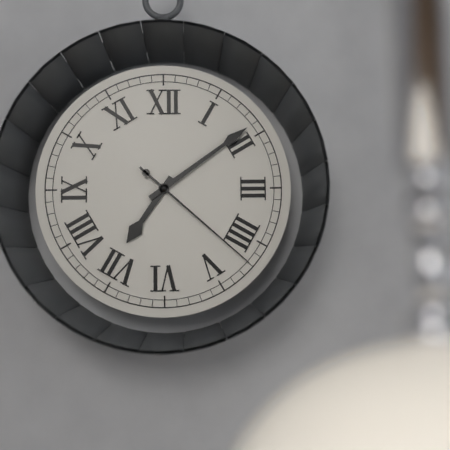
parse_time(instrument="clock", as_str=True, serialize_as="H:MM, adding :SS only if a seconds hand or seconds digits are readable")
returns 7:09:22
